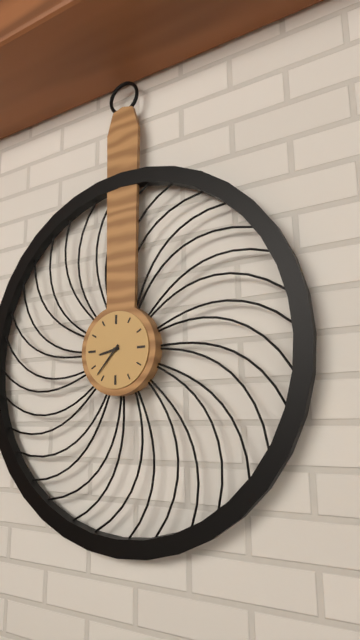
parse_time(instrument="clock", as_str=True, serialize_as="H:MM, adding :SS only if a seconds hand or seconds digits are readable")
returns 8:37
